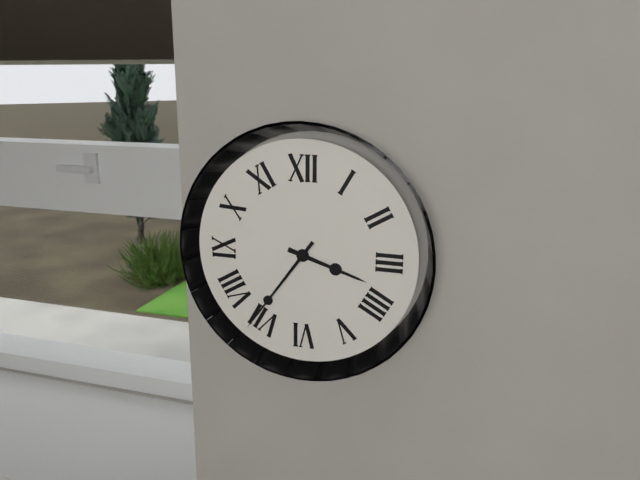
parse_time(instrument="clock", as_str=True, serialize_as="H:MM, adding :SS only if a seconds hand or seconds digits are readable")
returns 3:36
